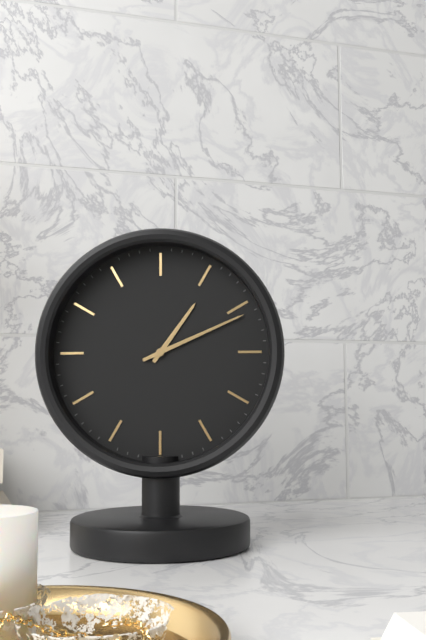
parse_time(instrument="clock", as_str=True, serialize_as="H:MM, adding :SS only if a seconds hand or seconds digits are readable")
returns 1:11
